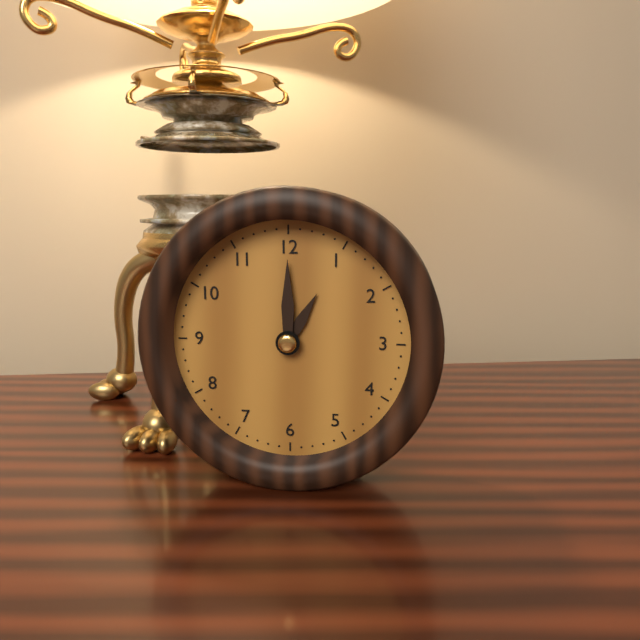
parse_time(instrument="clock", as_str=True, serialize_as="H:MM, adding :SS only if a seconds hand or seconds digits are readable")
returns 1:00
